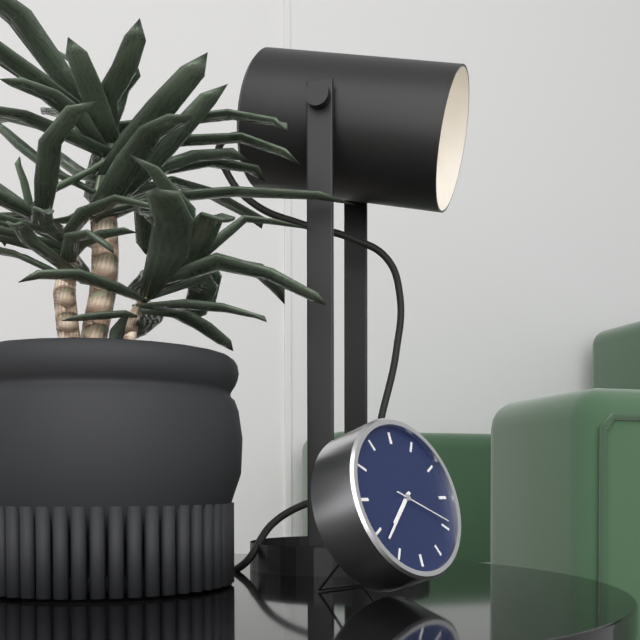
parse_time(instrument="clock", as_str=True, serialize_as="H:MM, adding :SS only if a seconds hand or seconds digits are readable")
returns 7:38:19
